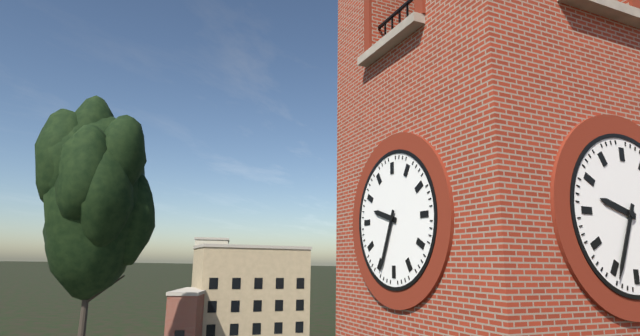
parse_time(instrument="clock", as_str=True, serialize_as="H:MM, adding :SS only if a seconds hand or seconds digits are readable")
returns 9:34
